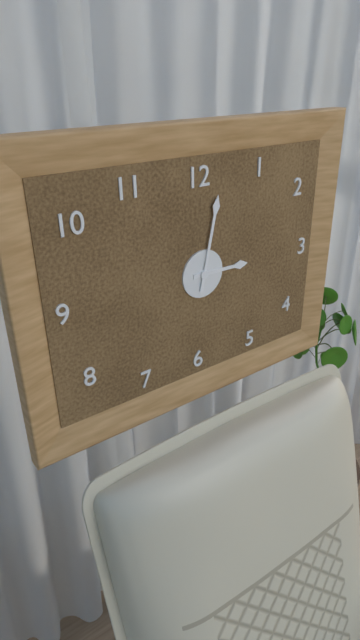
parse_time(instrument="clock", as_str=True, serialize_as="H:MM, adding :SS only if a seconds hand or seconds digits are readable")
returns 3:02
